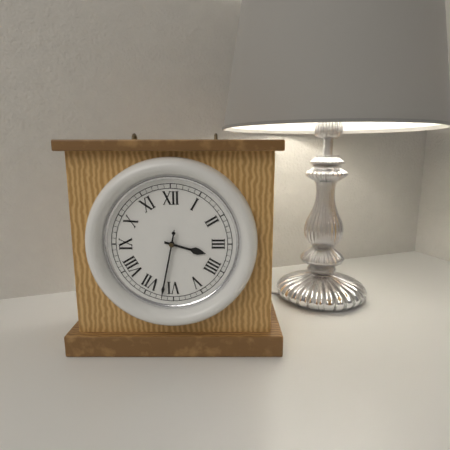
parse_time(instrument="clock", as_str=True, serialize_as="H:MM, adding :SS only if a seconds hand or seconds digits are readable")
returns 3:32:32
